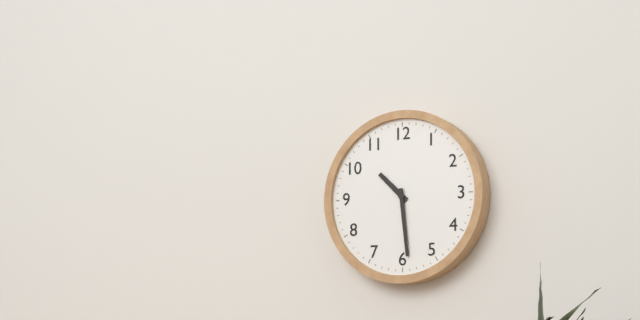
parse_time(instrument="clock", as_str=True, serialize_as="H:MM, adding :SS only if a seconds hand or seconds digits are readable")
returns 10:29
